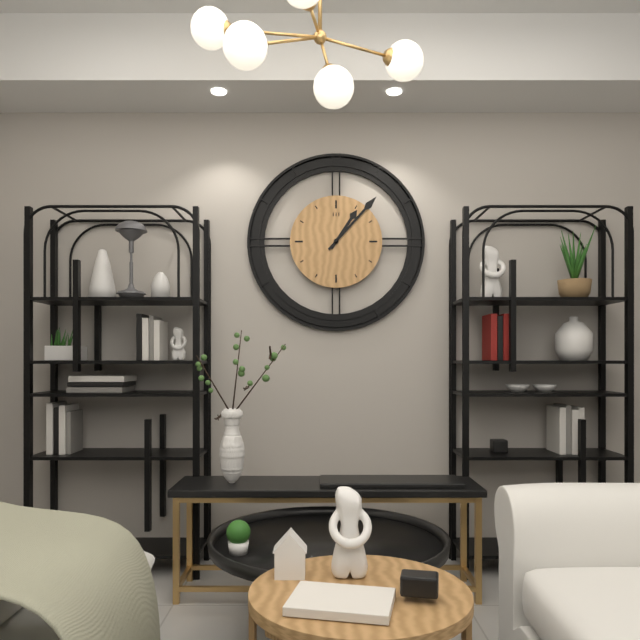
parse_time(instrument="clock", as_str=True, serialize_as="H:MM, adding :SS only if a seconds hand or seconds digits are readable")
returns 1:07
